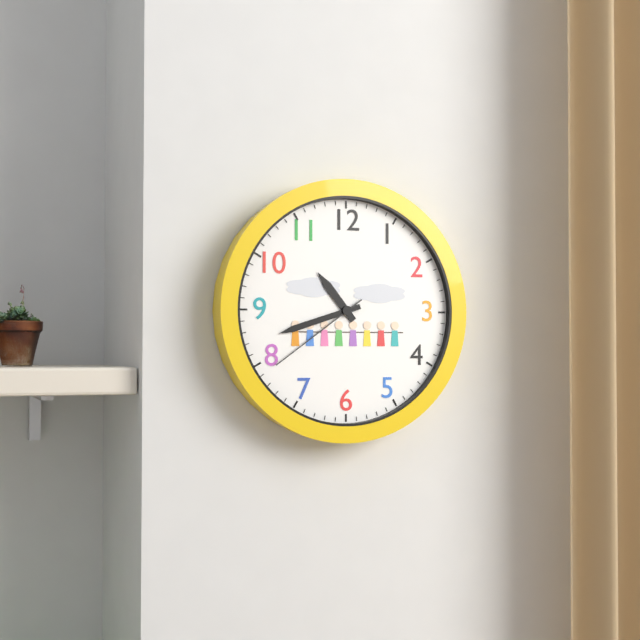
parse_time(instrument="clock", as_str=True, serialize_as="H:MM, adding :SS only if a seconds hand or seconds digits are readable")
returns 10:42:39
